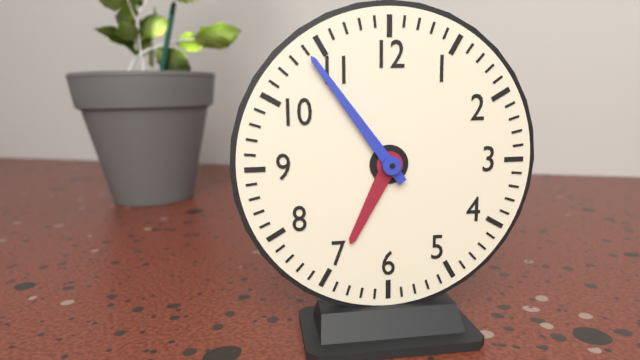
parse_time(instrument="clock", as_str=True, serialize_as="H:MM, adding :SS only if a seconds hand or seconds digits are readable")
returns 6:54
